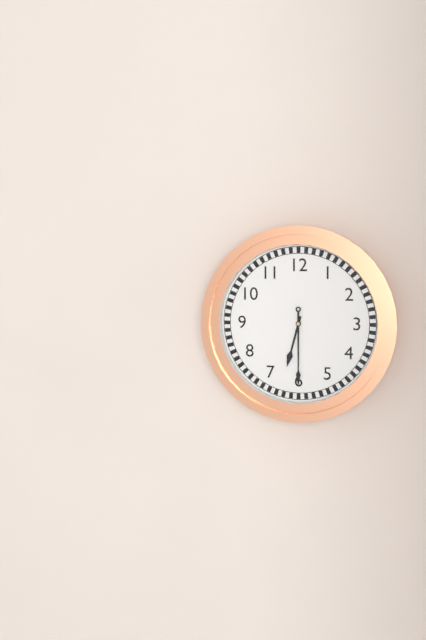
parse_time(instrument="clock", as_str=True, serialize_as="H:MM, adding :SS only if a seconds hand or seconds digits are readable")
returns 6:30
